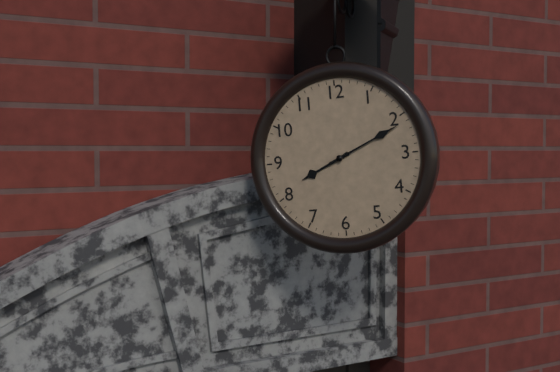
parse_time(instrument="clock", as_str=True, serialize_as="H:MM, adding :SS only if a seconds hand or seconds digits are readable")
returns 8:11
